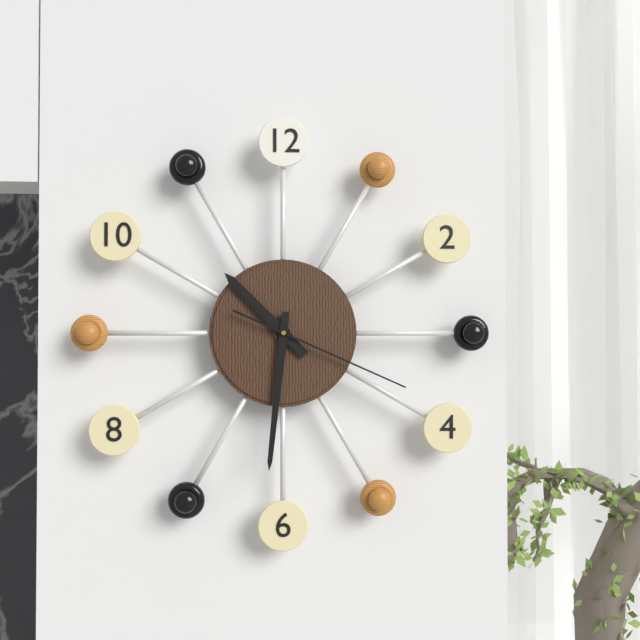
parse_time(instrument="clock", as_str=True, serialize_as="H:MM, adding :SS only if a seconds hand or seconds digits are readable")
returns 10:31:19
